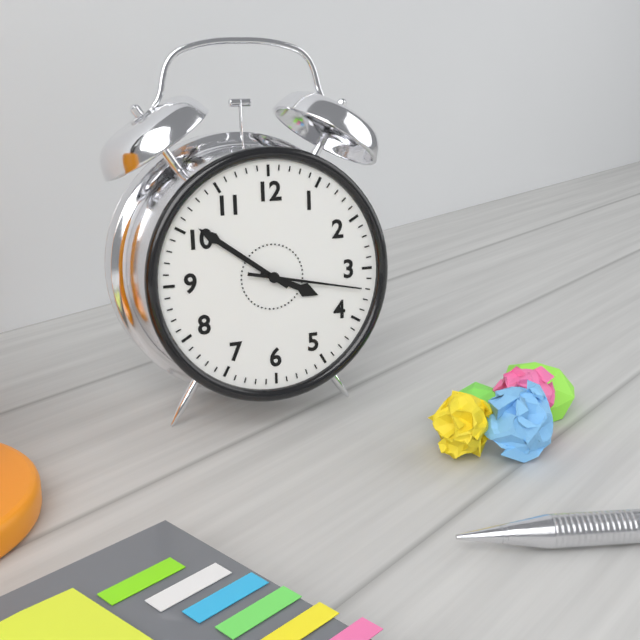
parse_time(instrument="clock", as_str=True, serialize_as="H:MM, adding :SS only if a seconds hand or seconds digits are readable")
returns 3:51:17
